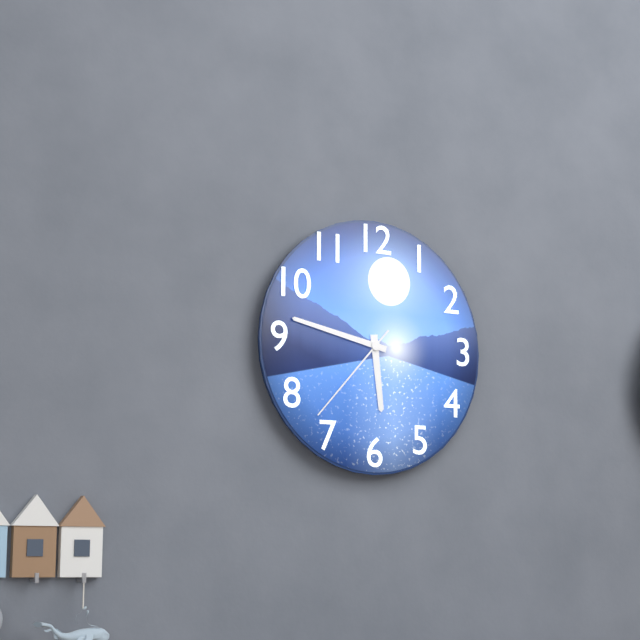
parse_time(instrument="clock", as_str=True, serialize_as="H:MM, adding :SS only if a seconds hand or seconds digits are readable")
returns 5:47:37
